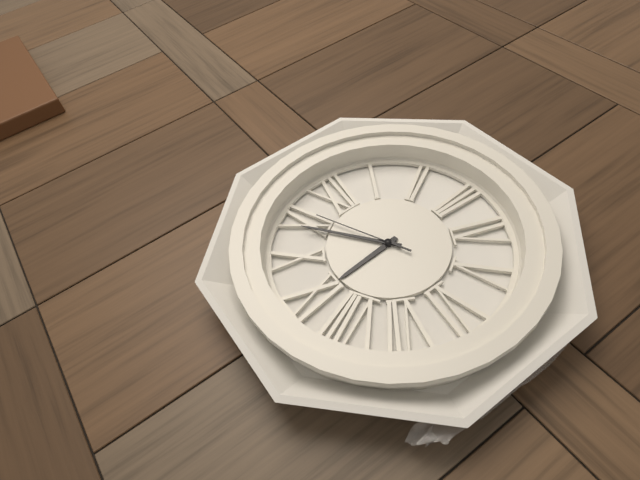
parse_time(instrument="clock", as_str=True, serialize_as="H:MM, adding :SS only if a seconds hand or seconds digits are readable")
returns 8:54:56
